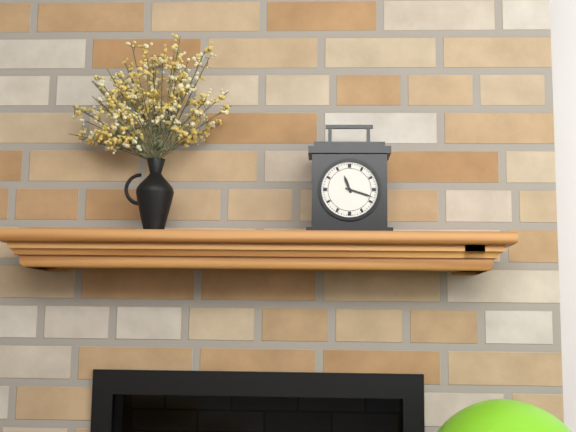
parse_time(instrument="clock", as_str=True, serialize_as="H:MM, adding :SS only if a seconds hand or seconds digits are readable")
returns 11:18
